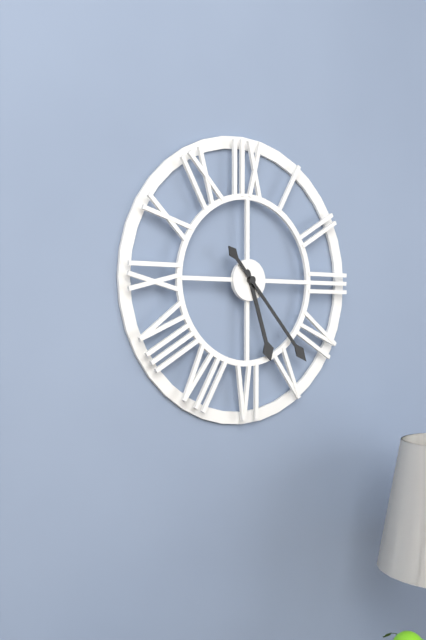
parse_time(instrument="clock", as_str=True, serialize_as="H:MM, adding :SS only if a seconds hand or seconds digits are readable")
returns 5:23
